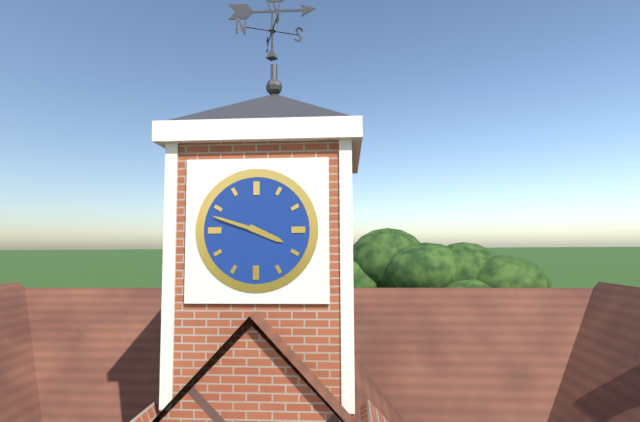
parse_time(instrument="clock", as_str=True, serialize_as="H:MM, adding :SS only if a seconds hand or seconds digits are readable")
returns 3:48
